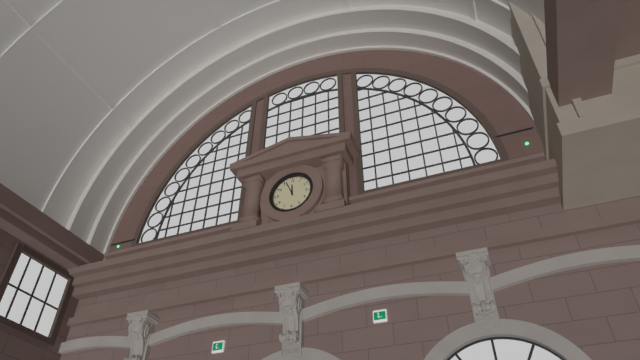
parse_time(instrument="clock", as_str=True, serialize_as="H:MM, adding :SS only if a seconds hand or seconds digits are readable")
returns 11:56
